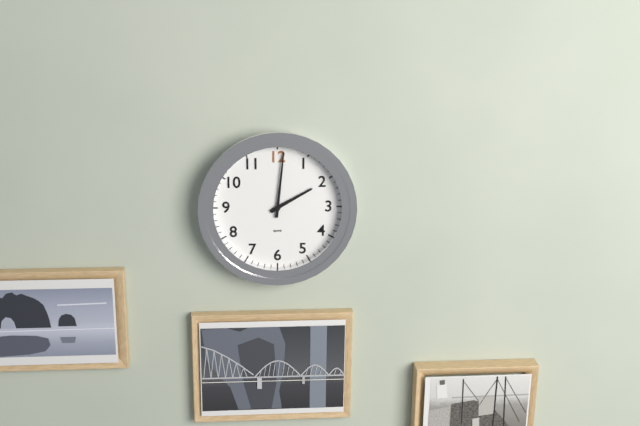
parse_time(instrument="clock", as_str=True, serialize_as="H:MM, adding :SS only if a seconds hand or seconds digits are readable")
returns 2:01
